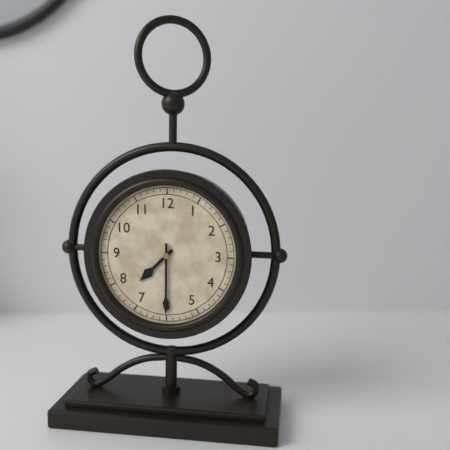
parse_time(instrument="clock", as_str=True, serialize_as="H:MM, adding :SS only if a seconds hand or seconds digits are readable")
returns 7:30
